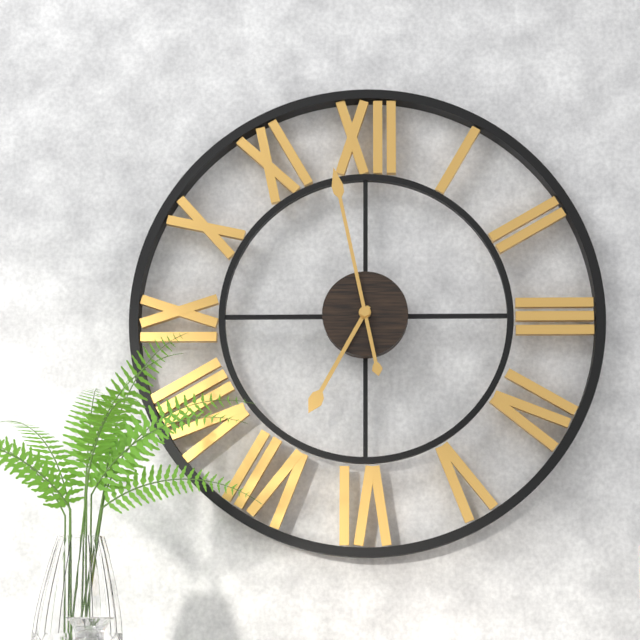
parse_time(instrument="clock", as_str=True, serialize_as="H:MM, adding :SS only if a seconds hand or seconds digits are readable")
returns 6:58
